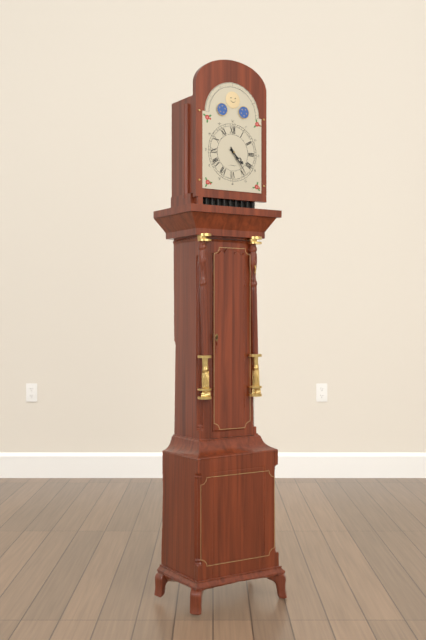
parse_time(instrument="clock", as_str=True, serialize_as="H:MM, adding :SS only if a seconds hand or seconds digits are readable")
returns 4:24
